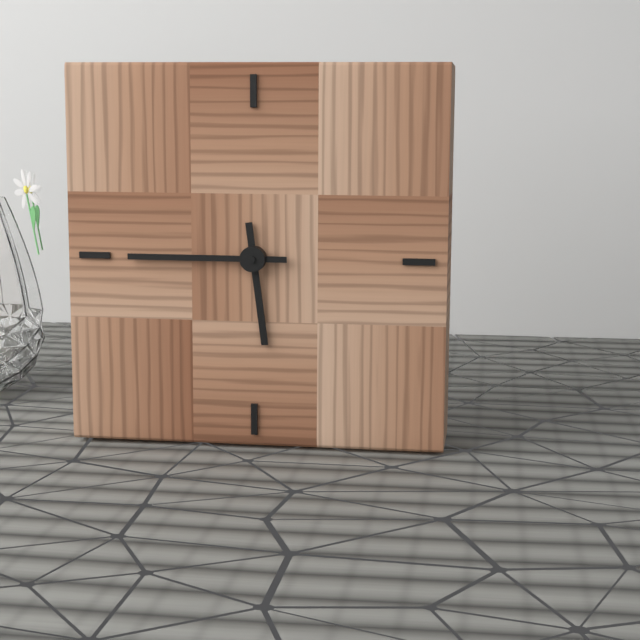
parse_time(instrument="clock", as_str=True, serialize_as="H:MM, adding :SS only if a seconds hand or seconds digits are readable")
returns 5:45
